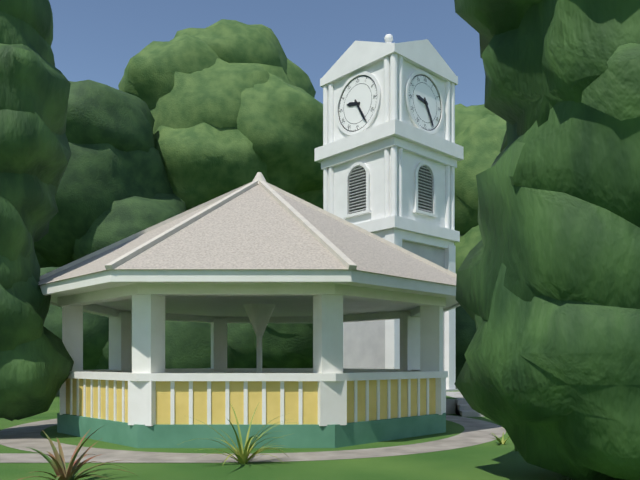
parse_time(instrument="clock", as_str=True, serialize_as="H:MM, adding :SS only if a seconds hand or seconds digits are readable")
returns 9:25
